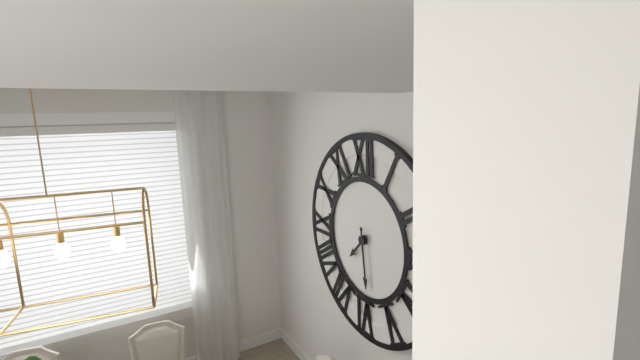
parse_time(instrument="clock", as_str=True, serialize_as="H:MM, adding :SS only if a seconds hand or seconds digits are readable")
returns 7:29
